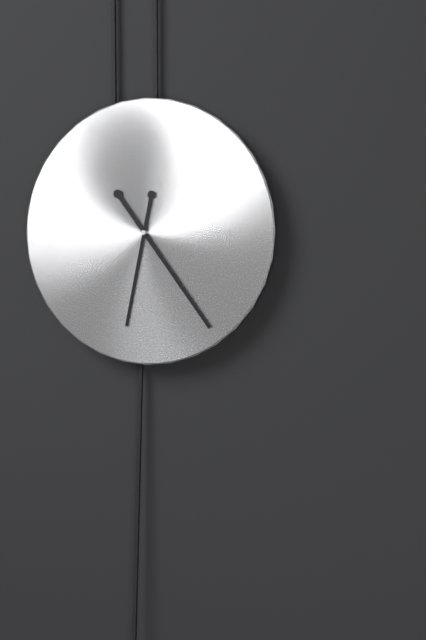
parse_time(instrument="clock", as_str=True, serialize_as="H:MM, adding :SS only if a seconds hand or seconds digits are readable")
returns 6:24
